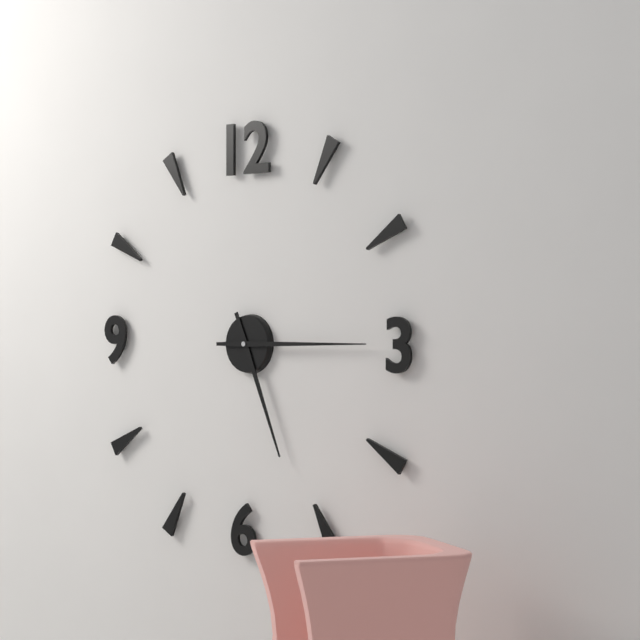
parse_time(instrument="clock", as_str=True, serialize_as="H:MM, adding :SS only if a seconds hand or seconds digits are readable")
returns 5:15
